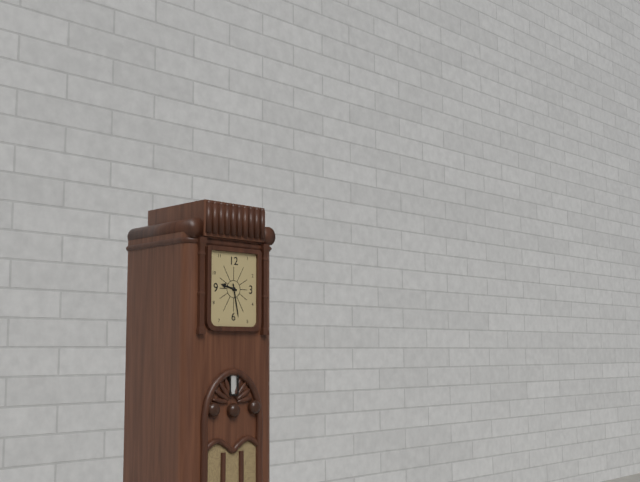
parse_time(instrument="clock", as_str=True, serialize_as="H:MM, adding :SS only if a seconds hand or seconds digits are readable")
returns 9:28
